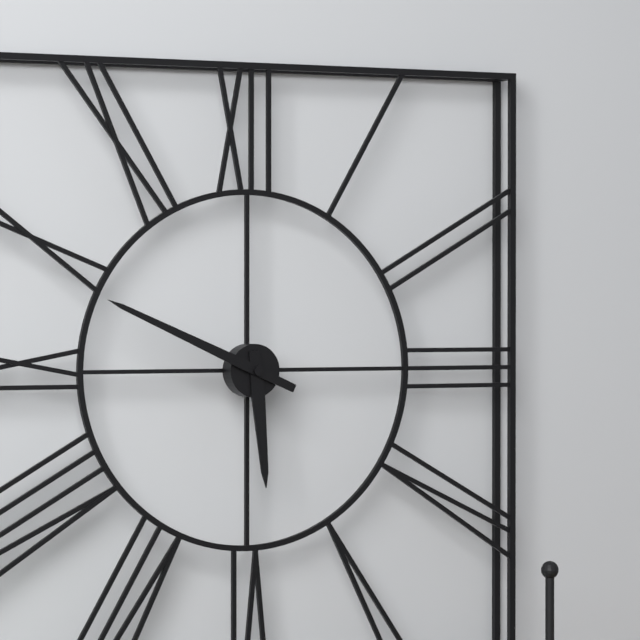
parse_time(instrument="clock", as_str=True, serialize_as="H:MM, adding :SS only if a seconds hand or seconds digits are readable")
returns 5:49
